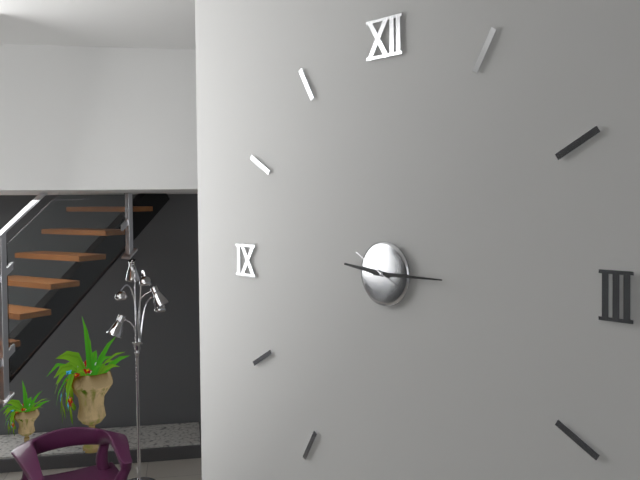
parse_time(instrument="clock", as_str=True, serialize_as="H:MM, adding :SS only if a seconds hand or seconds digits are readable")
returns 9:15
